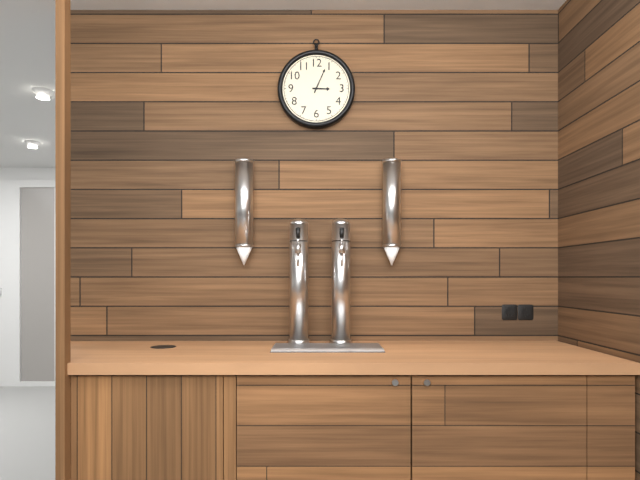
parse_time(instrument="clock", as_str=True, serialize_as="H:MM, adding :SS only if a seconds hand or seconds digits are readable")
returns 3:04
